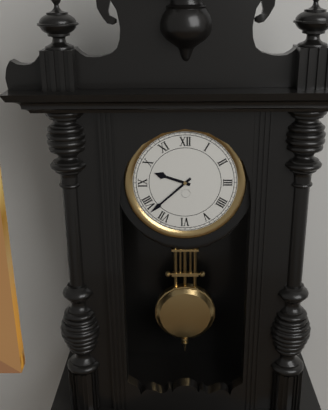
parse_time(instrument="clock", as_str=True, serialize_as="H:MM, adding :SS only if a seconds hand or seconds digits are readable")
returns 9:38
